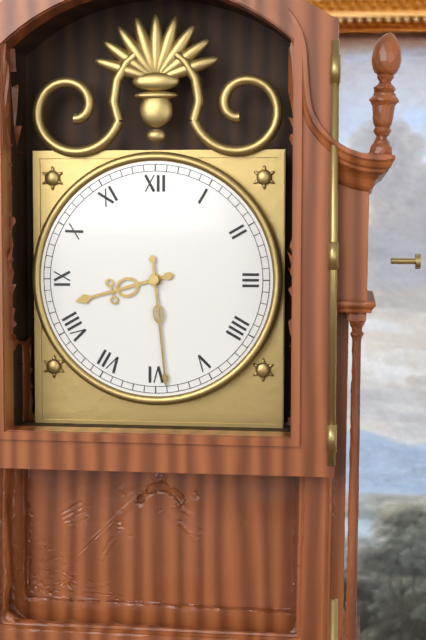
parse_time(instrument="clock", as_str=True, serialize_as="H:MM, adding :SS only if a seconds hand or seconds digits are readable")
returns 8:29
